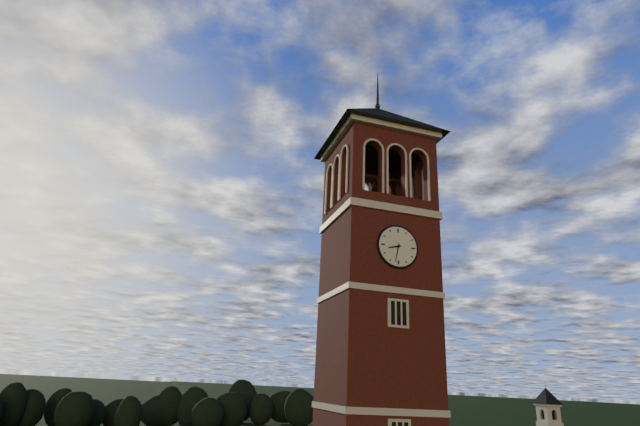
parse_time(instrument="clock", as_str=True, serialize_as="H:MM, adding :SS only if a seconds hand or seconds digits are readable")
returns 8:32
